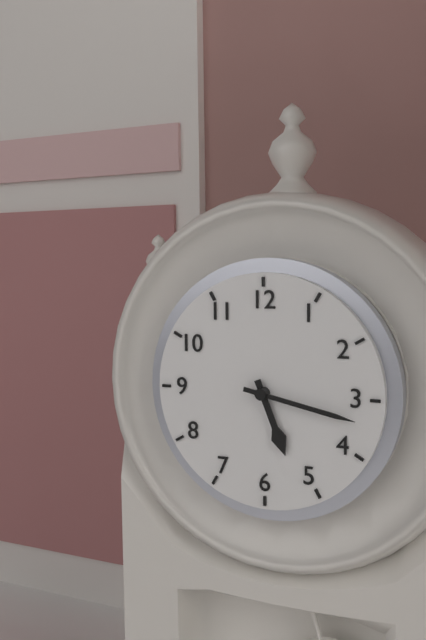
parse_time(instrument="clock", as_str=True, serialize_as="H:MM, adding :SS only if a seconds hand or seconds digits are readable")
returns 5:17
